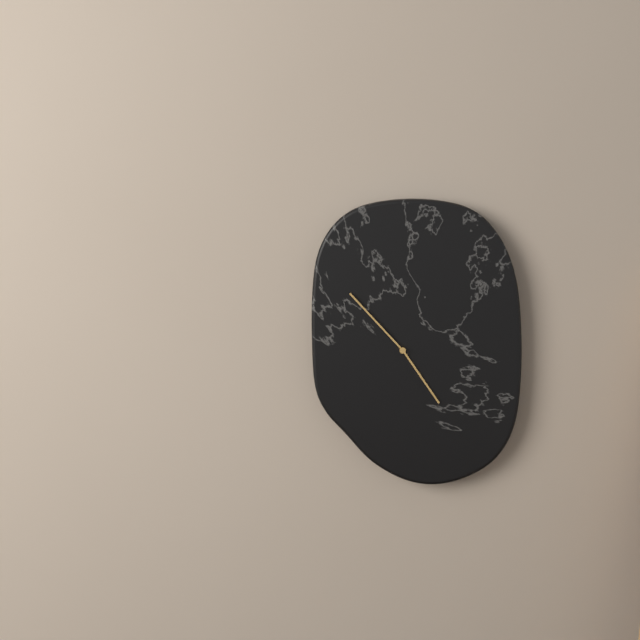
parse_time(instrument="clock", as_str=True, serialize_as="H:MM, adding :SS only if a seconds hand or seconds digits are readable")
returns 4:53
